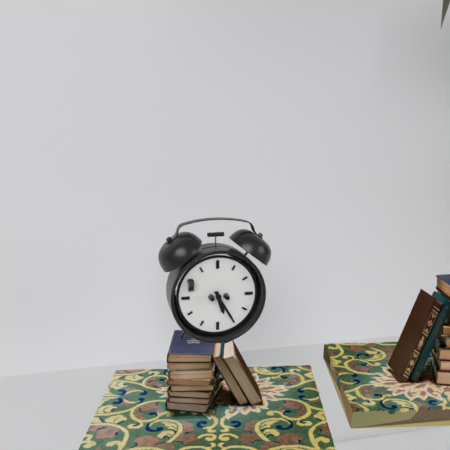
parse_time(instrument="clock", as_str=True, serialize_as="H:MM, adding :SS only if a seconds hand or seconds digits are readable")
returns 5:25
